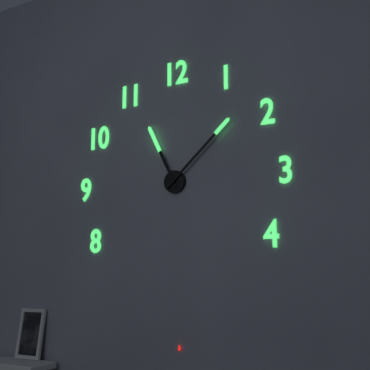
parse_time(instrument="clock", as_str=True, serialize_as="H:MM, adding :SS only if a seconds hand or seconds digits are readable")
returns 11:08
